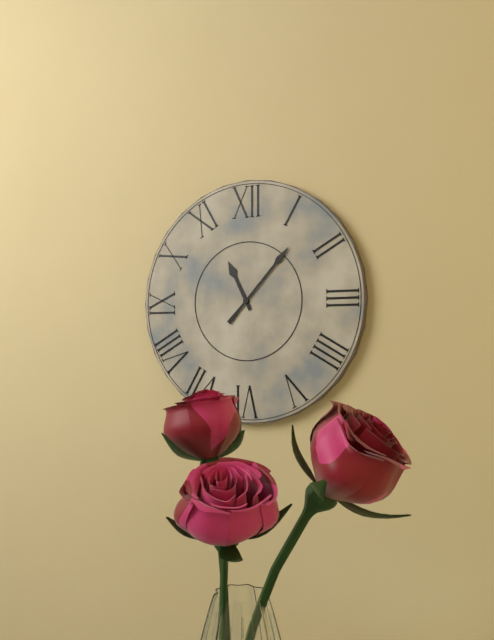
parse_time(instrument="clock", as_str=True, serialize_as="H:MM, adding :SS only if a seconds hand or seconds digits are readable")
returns 11:07
